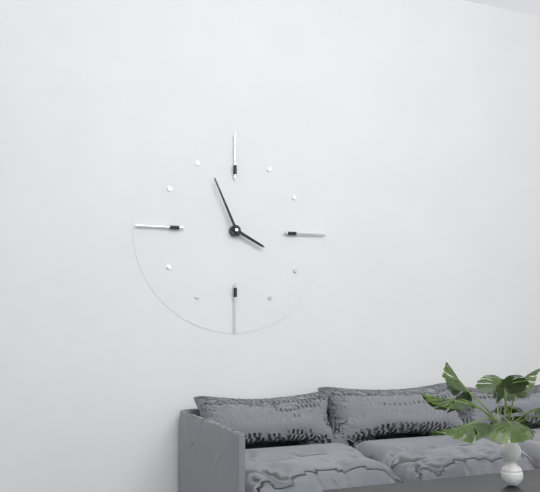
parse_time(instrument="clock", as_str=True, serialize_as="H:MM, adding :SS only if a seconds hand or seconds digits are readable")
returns 3:56
